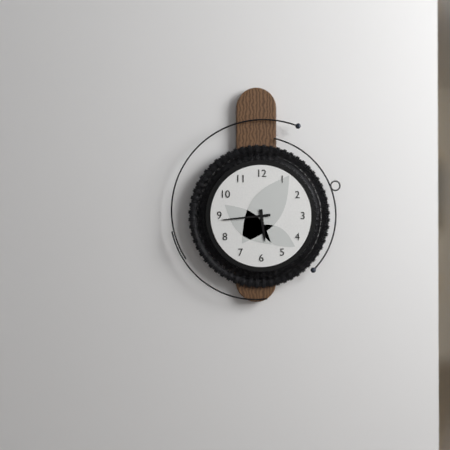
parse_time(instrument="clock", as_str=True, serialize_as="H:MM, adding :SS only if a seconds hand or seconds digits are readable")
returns 5:44
